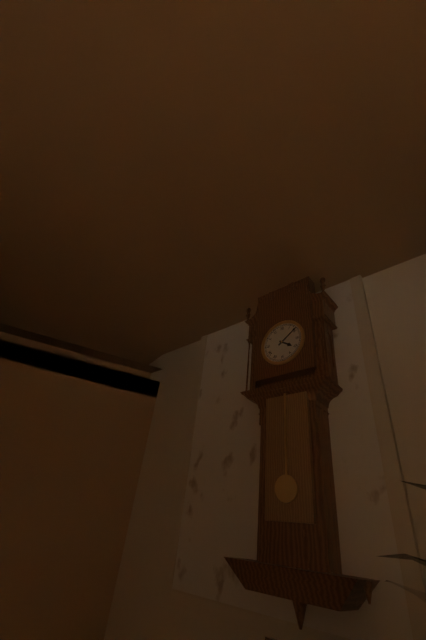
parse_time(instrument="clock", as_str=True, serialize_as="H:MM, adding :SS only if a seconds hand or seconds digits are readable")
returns 4:09
